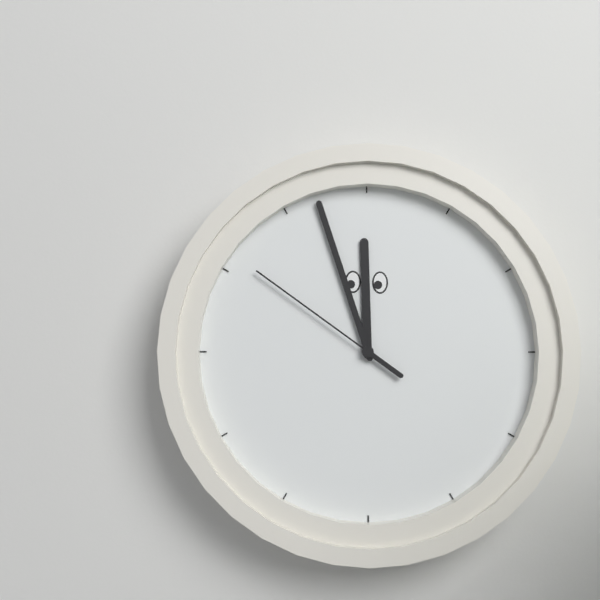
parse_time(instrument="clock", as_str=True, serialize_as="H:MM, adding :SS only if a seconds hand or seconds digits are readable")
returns 11:57:51
